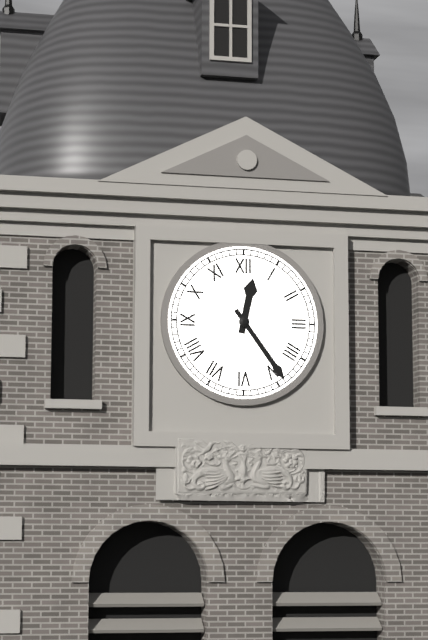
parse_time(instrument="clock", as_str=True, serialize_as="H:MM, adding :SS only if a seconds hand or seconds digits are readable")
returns 12:24
